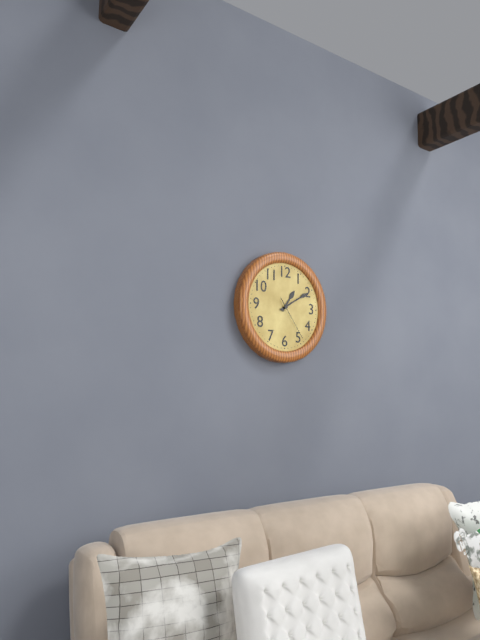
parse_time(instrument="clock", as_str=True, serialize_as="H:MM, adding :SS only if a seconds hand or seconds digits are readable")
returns 1:10
